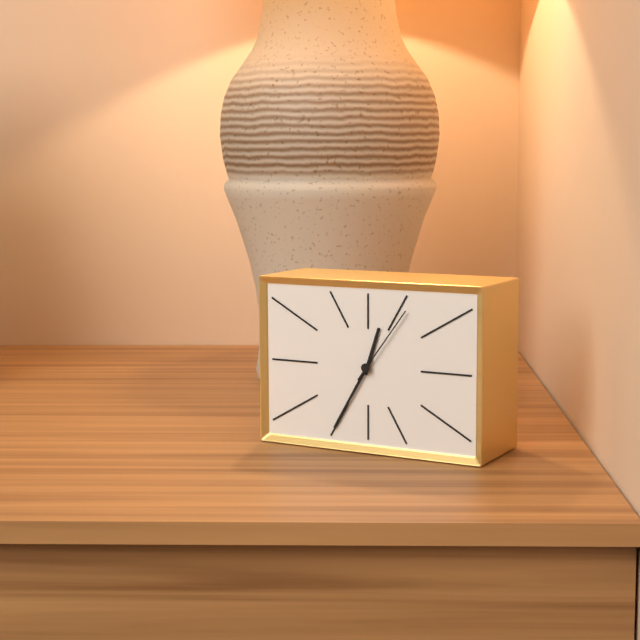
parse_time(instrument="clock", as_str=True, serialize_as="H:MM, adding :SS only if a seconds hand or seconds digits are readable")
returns 12:35:06
